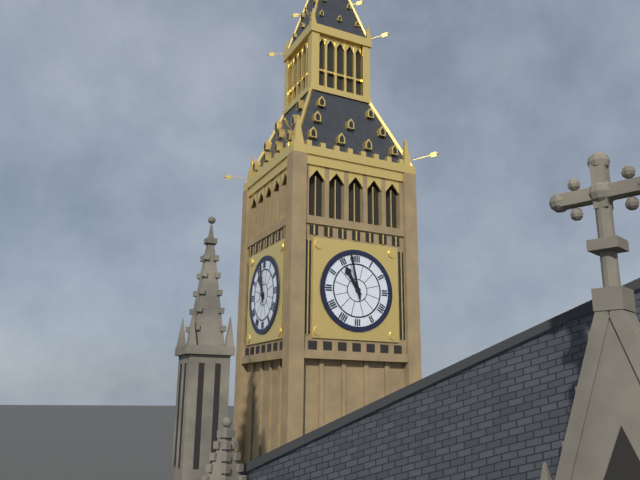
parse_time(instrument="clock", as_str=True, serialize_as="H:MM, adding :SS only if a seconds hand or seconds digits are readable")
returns 10:58
